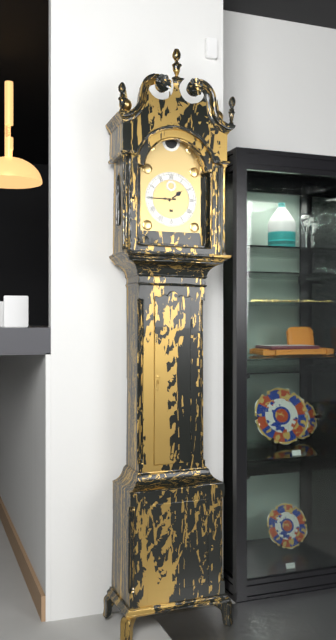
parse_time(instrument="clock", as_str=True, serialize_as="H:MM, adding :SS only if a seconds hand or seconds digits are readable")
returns 1:45
